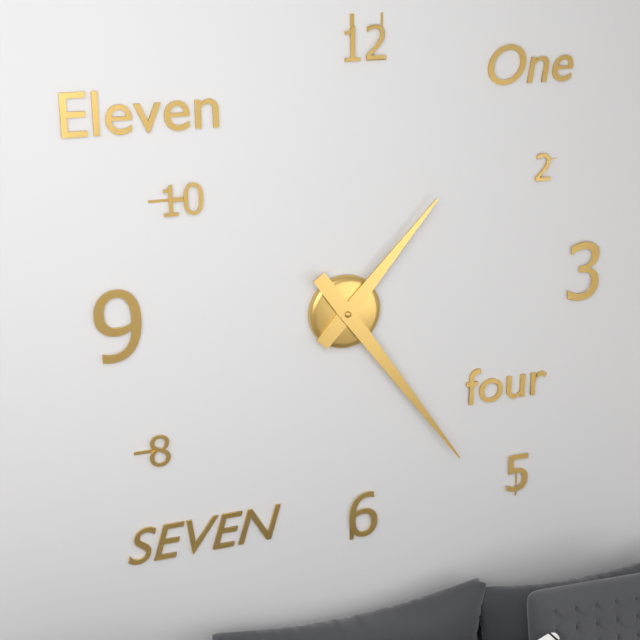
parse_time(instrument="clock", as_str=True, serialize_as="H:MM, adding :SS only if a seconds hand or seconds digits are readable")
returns 1:24
